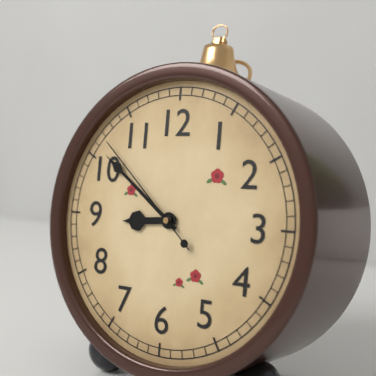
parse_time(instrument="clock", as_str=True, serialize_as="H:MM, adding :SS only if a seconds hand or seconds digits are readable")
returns 8:51:52
